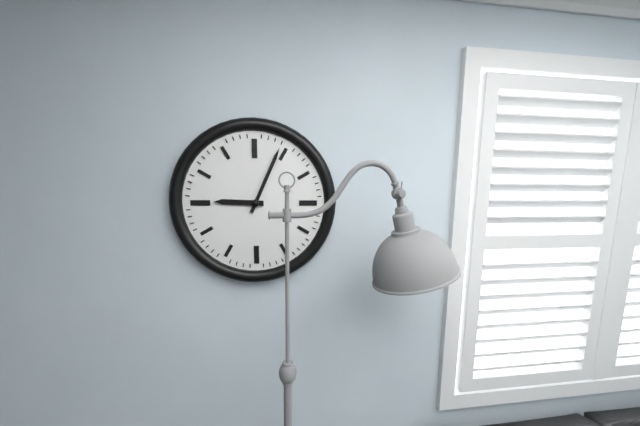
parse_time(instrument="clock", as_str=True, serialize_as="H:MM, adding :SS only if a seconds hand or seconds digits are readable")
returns 9:04
